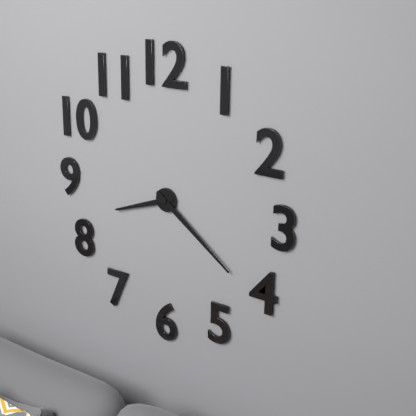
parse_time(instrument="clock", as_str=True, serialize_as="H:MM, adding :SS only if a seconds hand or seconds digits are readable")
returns 8:21
